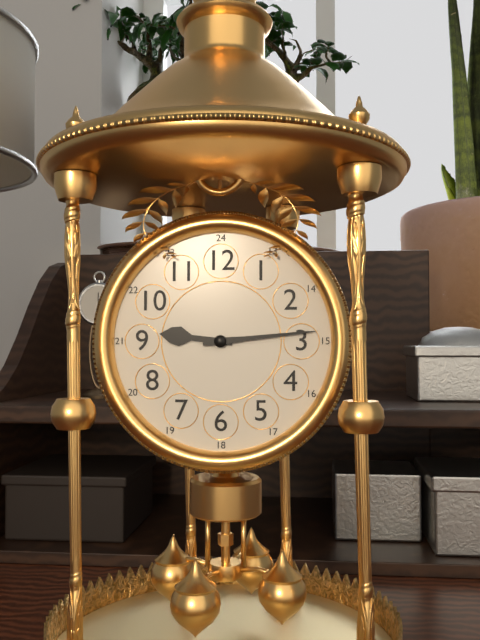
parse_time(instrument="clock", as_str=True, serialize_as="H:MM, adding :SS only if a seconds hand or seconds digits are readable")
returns 9:14
